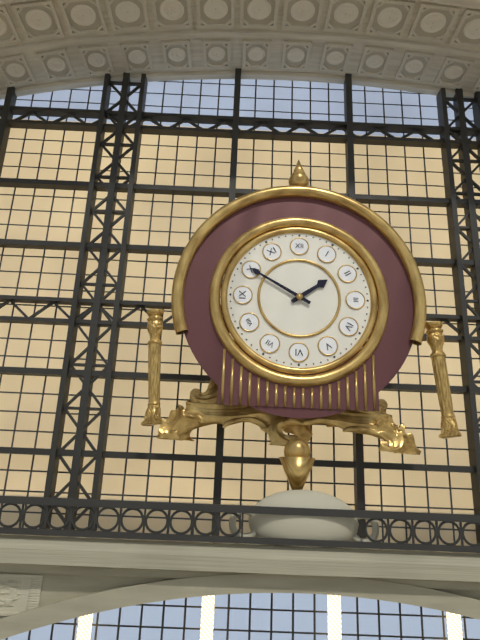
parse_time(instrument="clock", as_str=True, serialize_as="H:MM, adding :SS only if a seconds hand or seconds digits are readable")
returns 1:50
